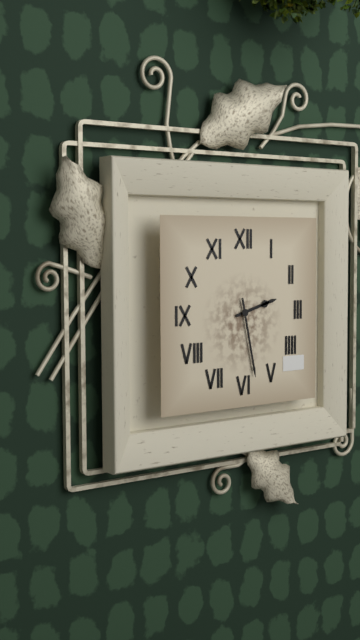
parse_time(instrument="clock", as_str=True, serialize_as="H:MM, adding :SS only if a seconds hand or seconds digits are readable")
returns 2:28
